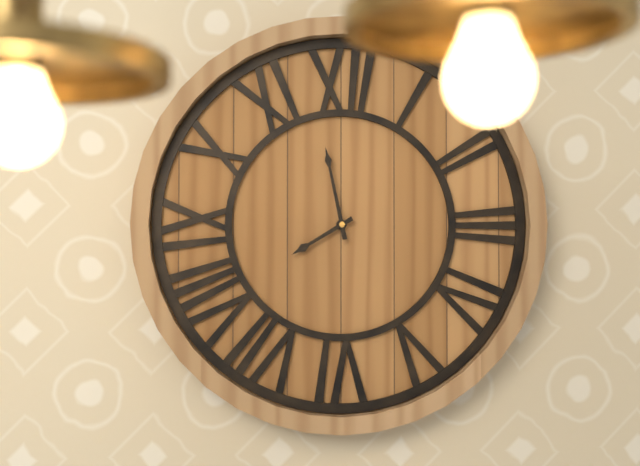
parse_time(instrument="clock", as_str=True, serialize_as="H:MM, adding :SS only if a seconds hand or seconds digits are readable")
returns 7:58
